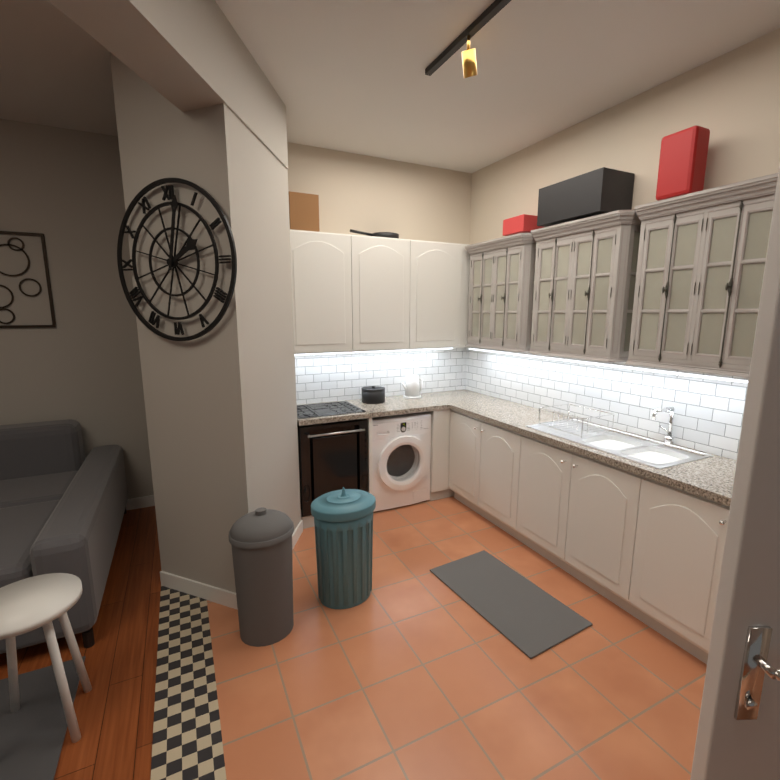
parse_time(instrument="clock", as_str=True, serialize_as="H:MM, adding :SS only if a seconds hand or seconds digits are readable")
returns 2:02
